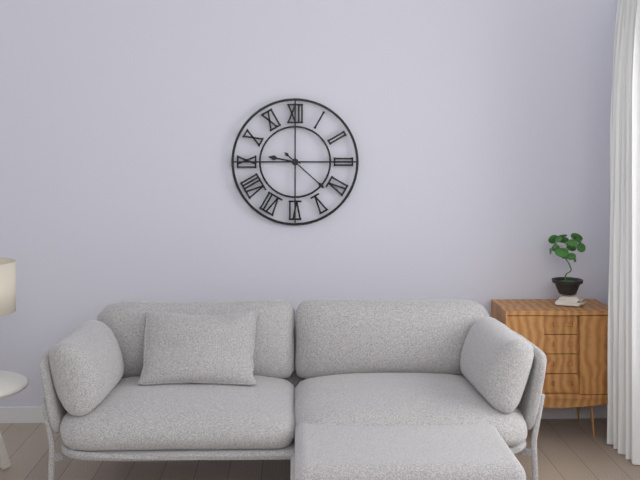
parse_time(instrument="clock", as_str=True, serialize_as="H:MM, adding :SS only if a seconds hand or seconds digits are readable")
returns 9:22
